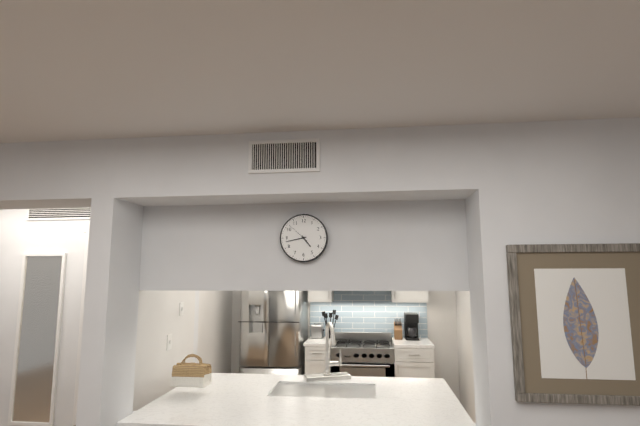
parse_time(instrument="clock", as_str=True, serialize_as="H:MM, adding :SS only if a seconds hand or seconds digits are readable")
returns 4:43
